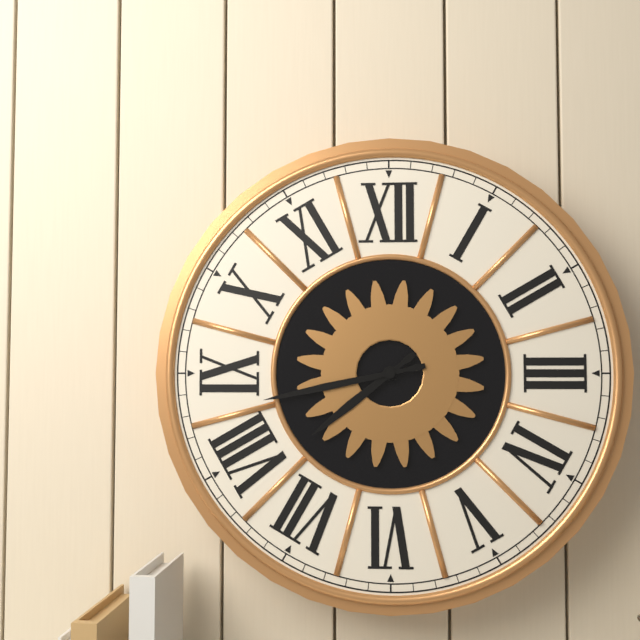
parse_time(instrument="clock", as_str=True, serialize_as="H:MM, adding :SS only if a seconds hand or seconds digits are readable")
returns 7:43
